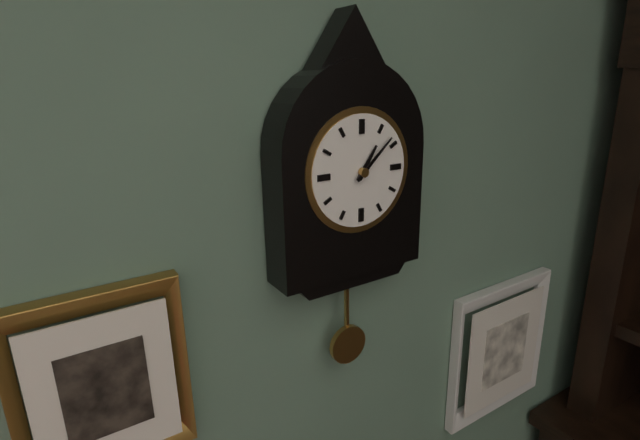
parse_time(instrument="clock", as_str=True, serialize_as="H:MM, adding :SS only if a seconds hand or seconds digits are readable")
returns 1:08
